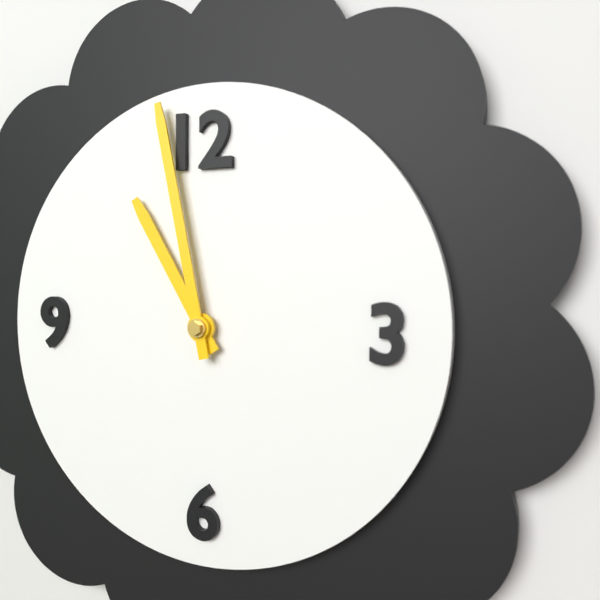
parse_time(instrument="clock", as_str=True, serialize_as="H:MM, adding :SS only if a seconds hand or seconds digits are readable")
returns 10:58
